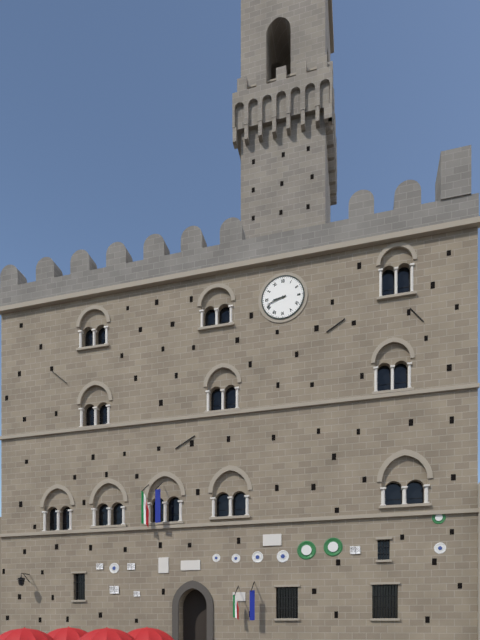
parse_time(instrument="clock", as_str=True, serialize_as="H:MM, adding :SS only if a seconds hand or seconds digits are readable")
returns 8:42
